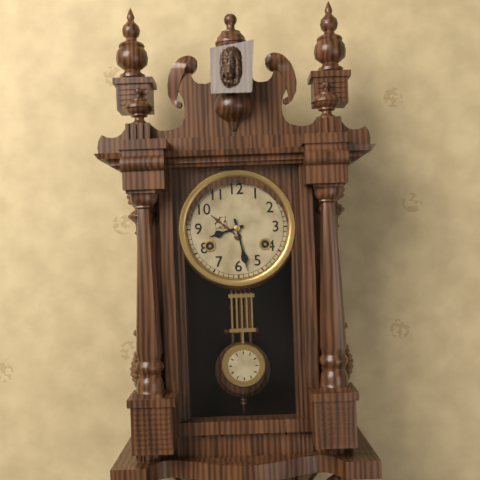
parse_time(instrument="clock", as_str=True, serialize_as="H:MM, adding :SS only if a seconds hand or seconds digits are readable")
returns 8:28
